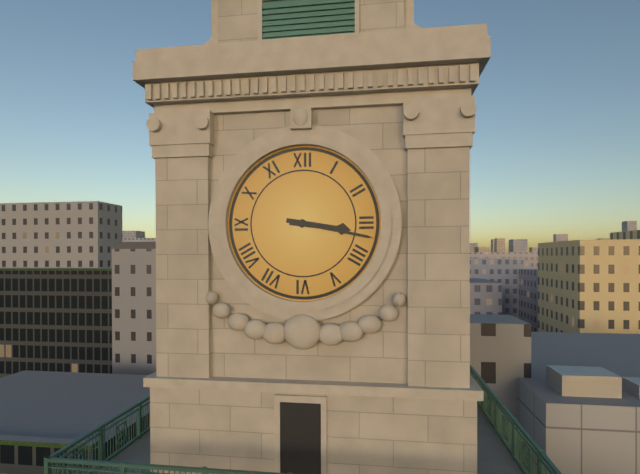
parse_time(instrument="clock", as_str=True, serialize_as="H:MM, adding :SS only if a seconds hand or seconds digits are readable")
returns 3:17
